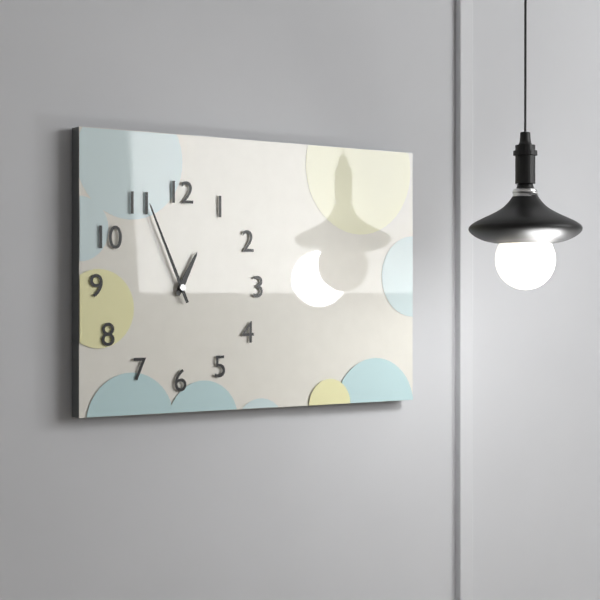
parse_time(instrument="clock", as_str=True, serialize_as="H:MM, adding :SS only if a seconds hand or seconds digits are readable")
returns 12:56
